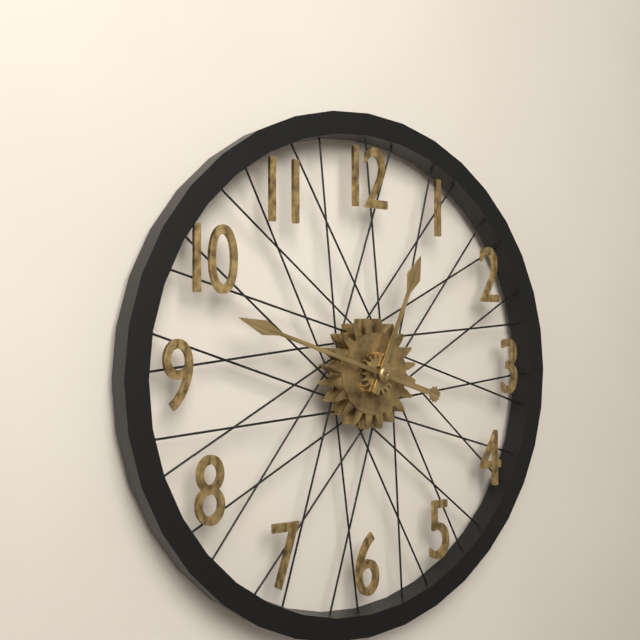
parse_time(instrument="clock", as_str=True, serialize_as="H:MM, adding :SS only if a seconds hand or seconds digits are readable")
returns 12:48
